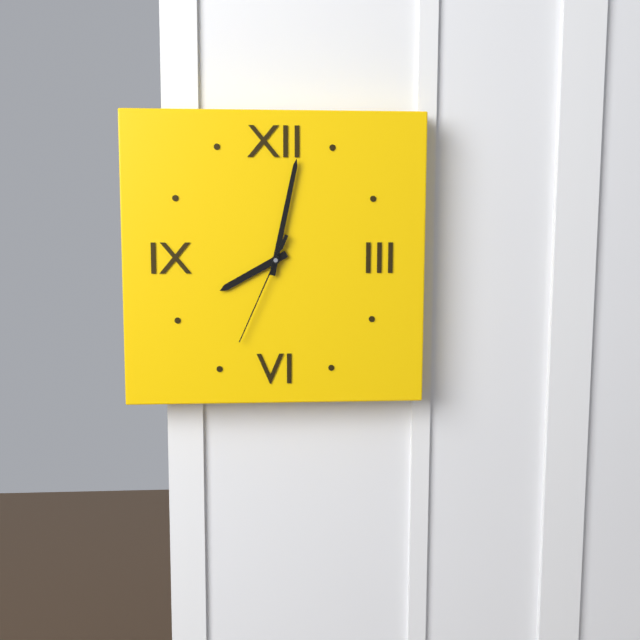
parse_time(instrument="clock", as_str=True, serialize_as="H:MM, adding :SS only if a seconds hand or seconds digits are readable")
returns 8:02:34
